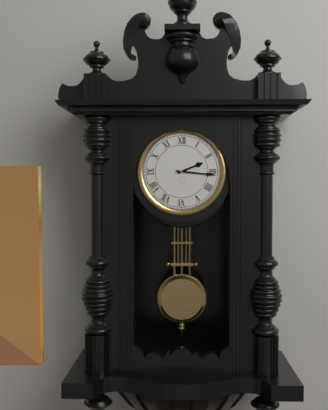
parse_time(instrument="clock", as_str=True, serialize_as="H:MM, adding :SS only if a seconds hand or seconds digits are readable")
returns 2:16
